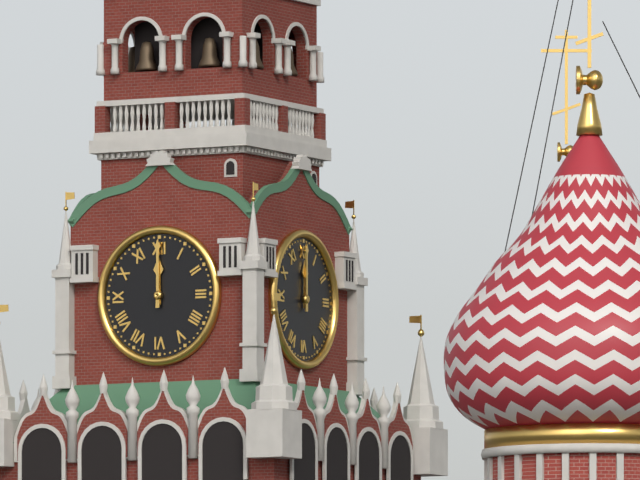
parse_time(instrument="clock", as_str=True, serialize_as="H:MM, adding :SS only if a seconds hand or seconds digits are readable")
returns 12:00
